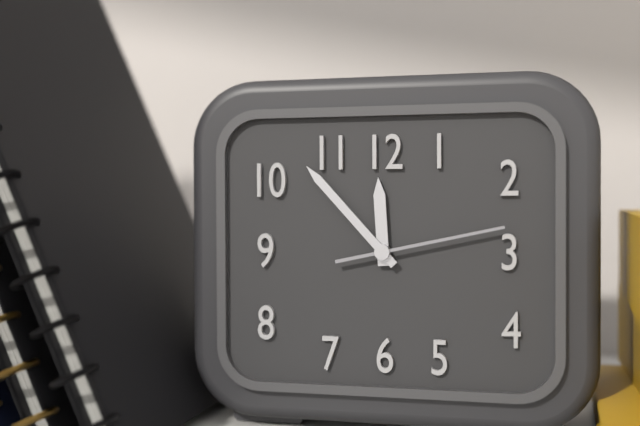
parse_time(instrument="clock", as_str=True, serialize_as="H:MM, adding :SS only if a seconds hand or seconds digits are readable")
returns 11:53:13
